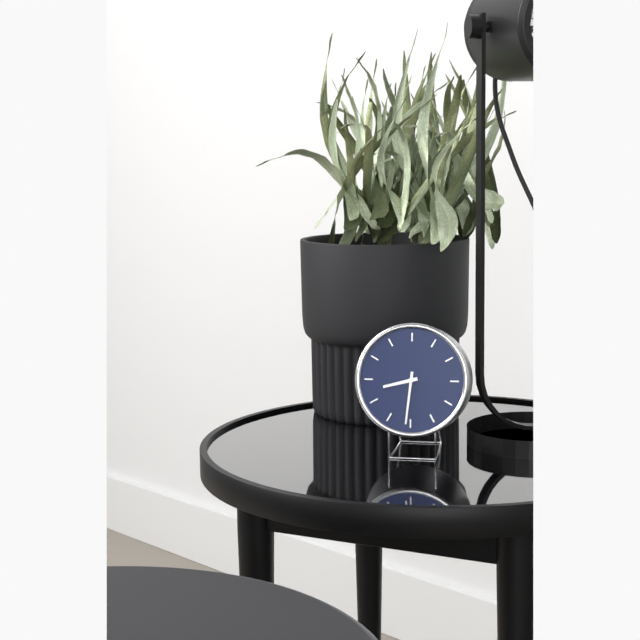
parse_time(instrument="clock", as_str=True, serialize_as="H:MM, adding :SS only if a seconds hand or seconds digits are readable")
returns 8:31
